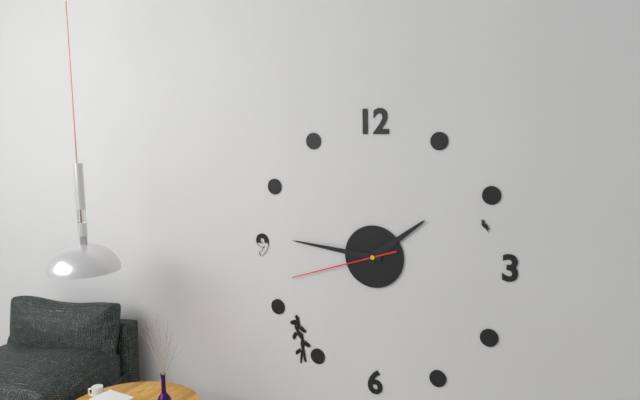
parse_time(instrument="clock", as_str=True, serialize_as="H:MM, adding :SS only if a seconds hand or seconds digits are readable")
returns 1:46:42
